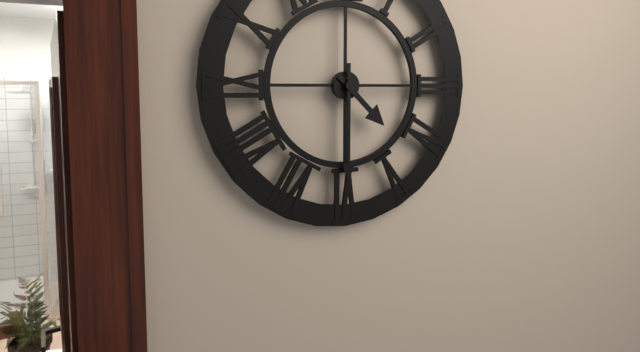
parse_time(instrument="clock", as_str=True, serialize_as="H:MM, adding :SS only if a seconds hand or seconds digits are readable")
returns 4:30
